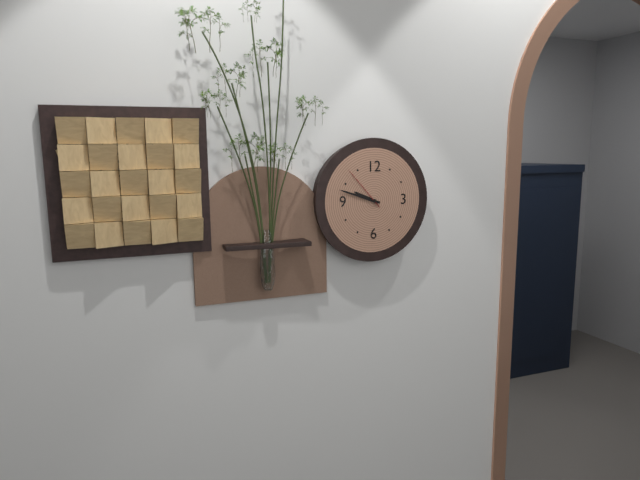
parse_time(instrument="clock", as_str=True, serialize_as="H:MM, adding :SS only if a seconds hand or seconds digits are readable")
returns 9:48:53
